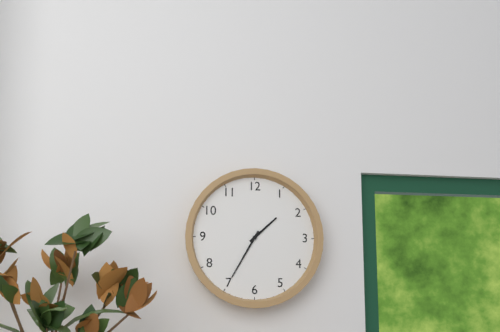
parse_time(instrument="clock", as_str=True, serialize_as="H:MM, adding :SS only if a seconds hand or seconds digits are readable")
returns 1:35
